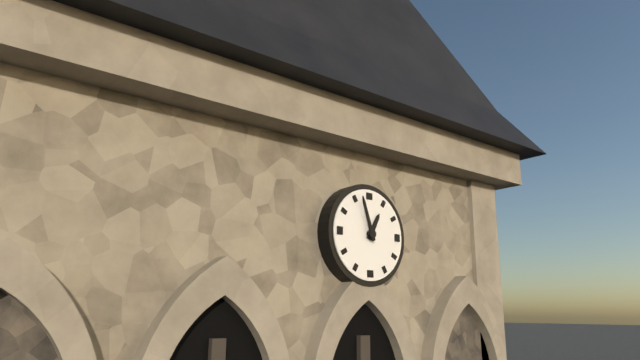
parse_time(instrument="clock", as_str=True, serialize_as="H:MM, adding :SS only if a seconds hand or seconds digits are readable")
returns 12:57
